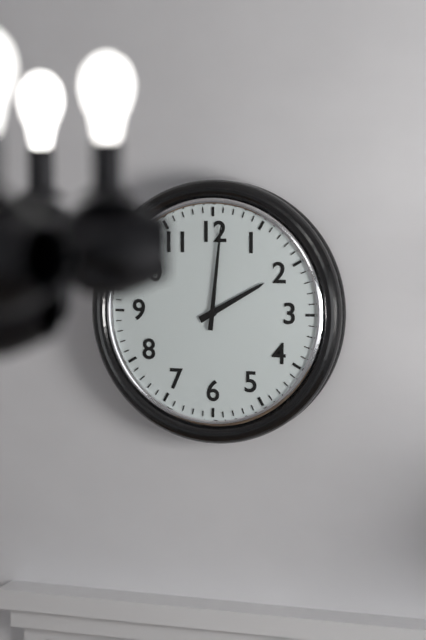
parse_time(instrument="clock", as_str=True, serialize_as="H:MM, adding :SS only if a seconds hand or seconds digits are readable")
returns 2:01
